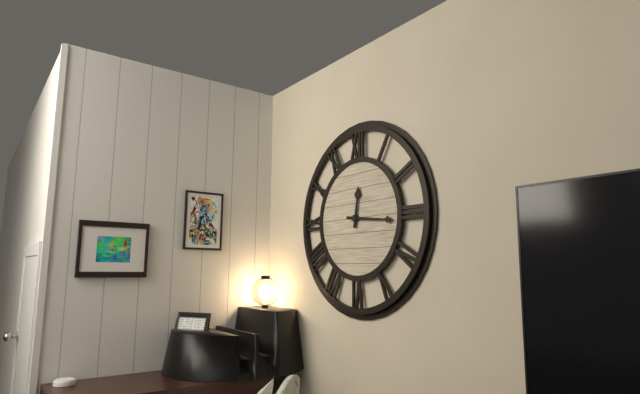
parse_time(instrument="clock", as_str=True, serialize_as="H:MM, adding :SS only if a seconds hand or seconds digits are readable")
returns 12:16
